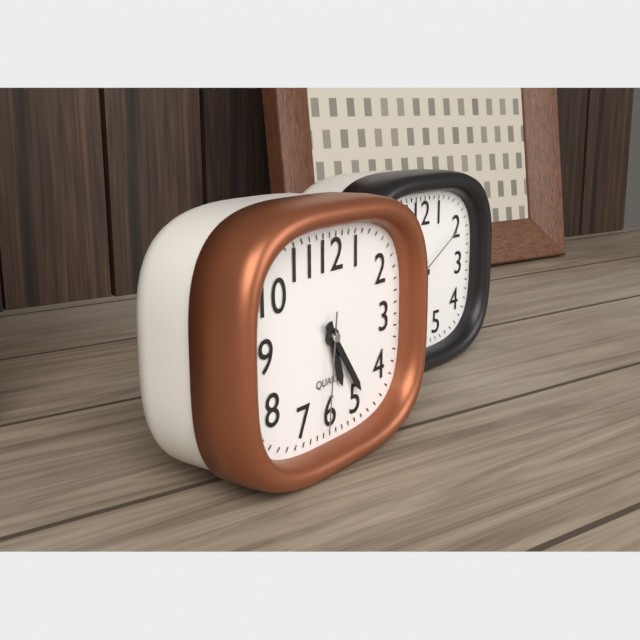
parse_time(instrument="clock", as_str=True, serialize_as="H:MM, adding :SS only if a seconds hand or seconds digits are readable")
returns 5:24:31
